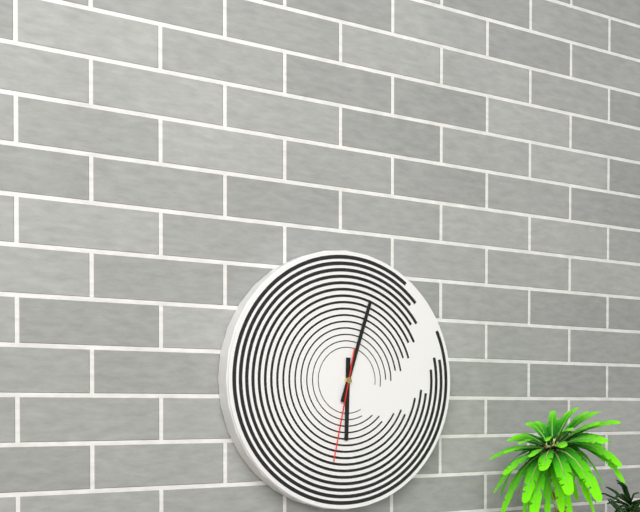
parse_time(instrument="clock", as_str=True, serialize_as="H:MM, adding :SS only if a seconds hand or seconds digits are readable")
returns 6:03:32
